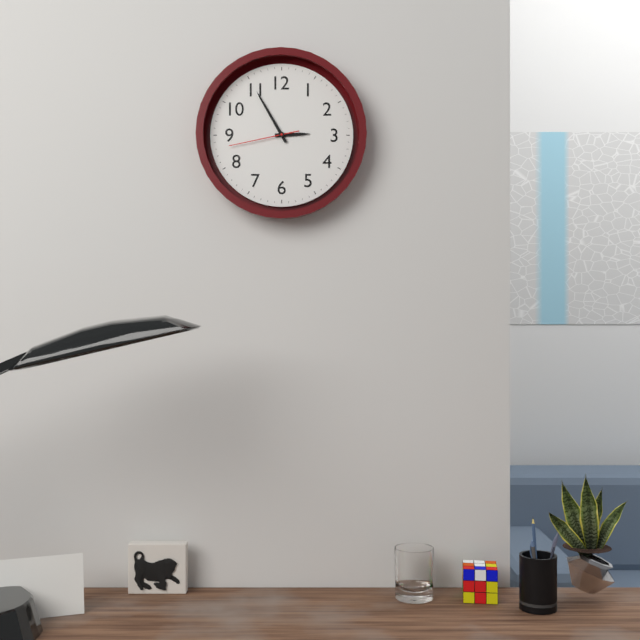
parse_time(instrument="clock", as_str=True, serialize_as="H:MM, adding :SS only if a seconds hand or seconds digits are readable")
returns 2:55:43
